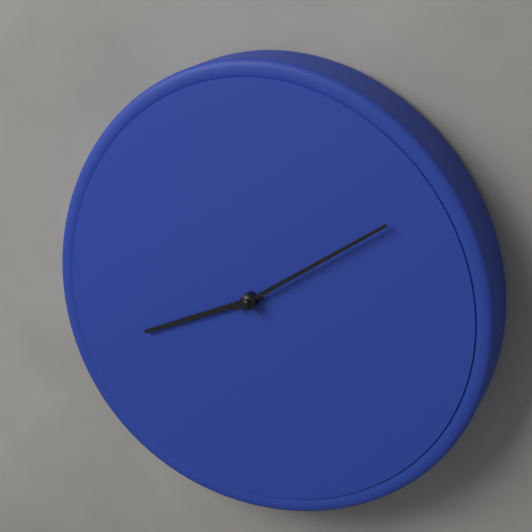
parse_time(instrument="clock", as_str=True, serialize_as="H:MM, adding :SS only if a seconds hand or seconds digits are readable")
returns 8:09
